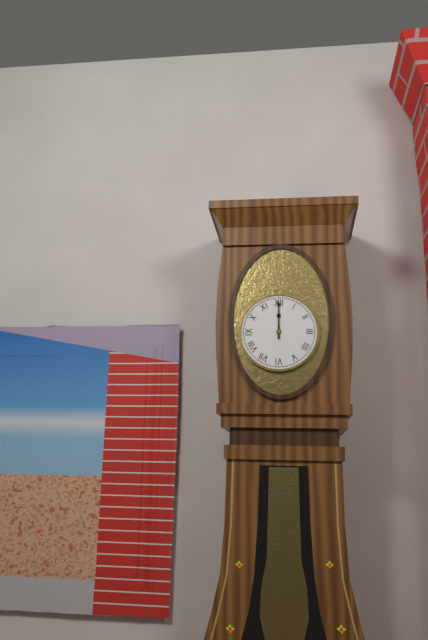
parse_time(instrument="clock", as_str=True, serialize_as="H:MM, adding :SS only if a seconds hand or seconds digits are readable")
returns 12:00
